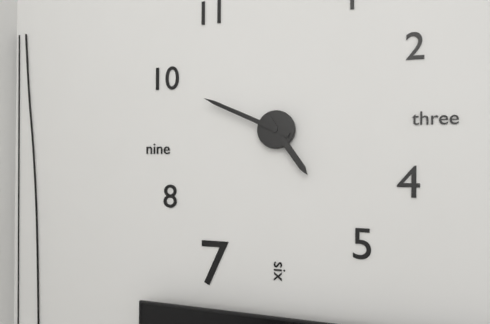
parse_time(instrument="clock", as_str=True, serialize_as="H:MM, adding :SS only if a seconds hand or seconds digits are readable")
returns 4:49
